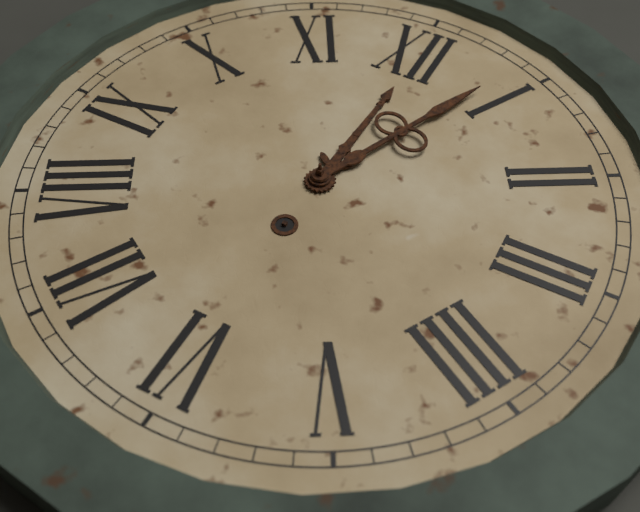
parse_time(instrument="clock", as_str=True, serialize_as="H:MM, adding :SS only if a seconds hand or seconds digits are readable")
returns 12:04
